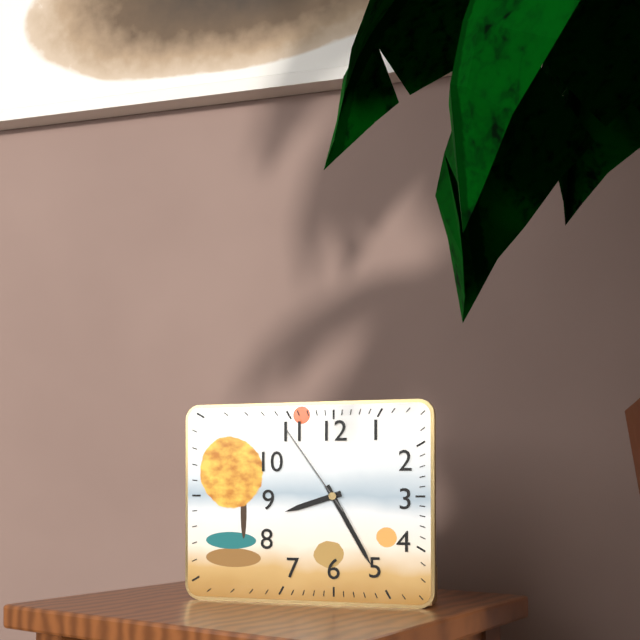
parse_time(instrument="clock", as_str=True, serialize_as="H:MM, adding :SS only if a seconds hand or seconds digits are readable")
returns 8:25:54
